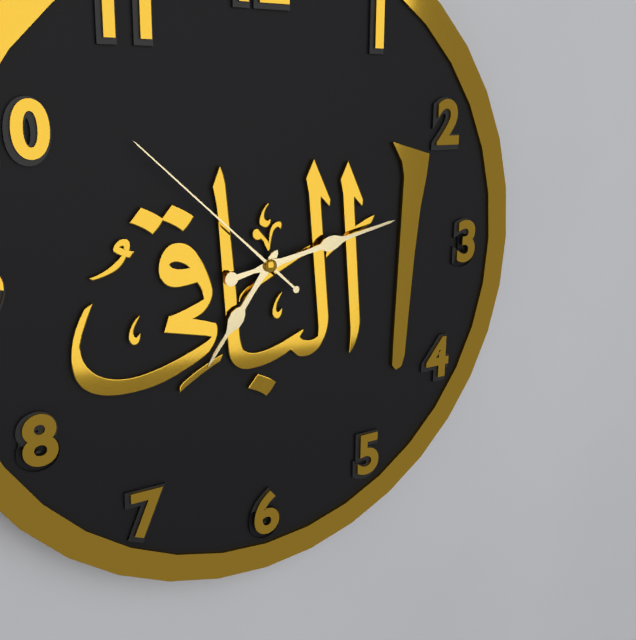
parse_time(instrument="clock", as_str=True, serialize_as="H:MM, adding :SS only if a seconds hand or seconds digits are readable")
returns 7:13:52
